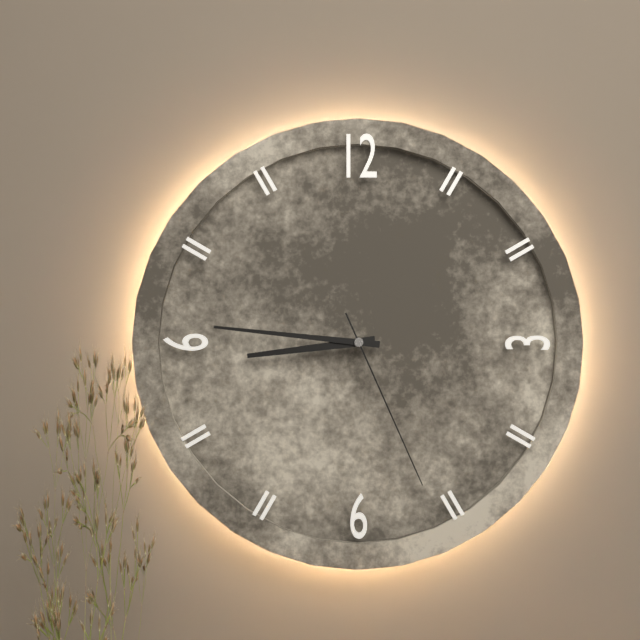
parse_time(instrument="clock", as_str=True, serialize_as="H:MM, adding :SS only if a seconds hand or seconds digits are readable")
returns 8:46:26
